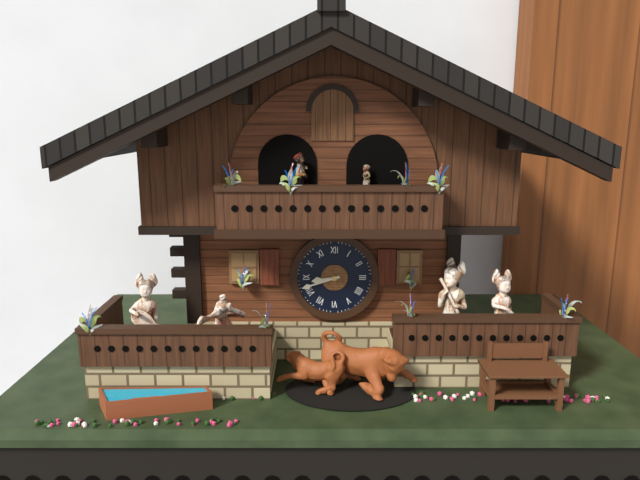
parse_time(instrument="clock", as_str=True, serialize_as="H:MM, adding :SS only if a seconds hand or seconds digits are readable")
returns 8:42
